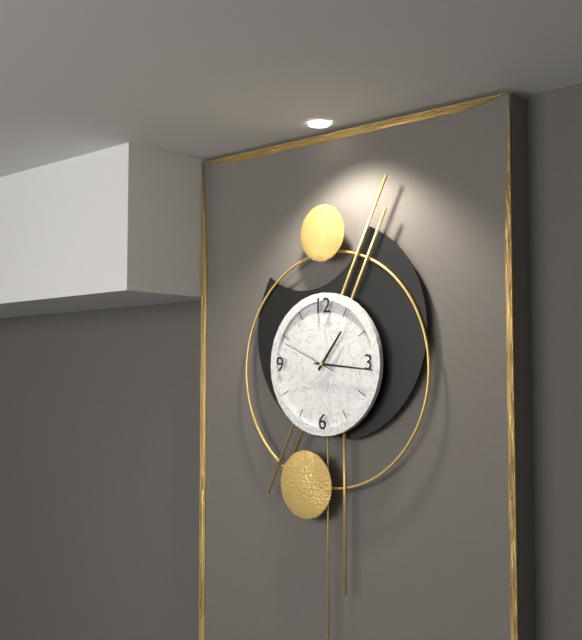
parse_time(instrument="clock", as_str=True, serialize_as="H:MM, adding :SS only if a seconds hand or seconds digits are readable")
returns 1:16:49
